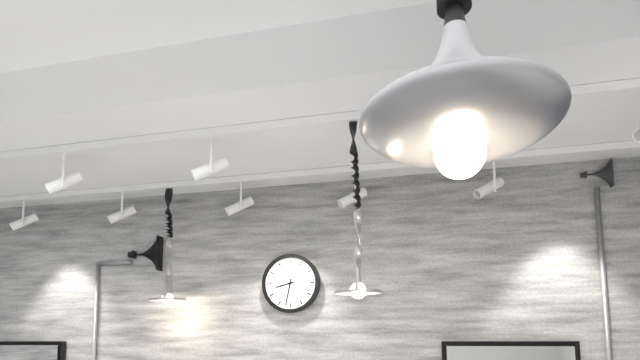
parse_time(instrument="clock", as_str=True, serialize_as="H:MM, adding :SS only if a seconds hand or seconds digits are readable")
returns 8:32
